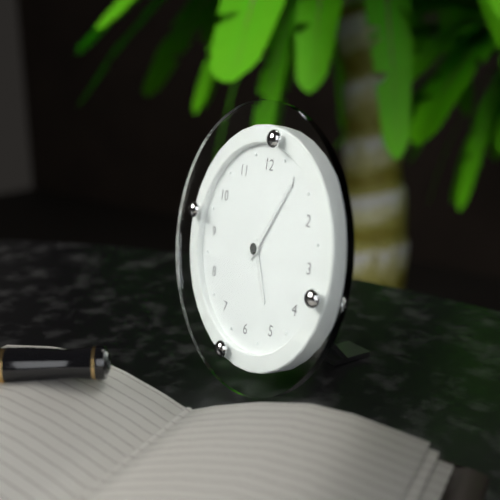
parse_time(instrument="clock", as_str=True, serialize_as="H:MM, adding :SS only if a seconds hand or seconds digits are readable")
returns 5:05
